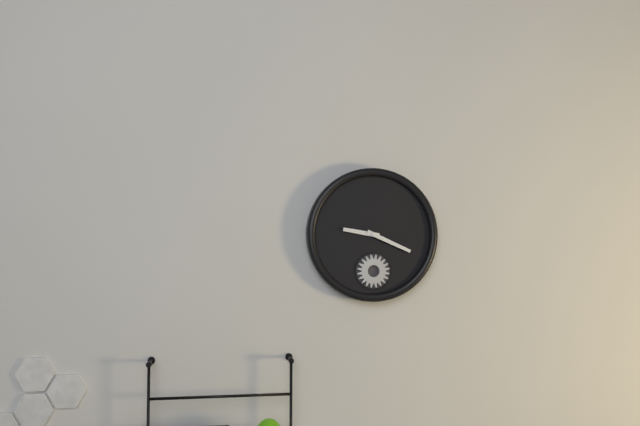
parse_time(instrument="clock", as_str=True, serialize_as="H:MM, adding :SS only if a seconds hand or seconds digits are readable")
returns 9:19
